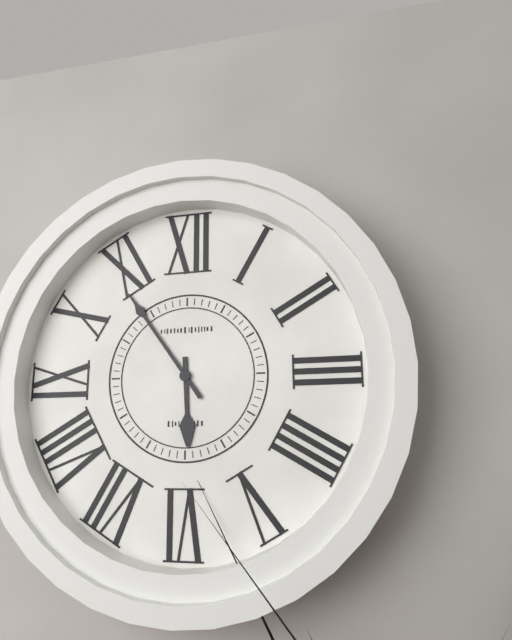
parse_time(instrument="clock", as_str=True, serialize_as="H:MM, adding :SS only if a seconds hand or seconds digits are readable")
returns 5:54
